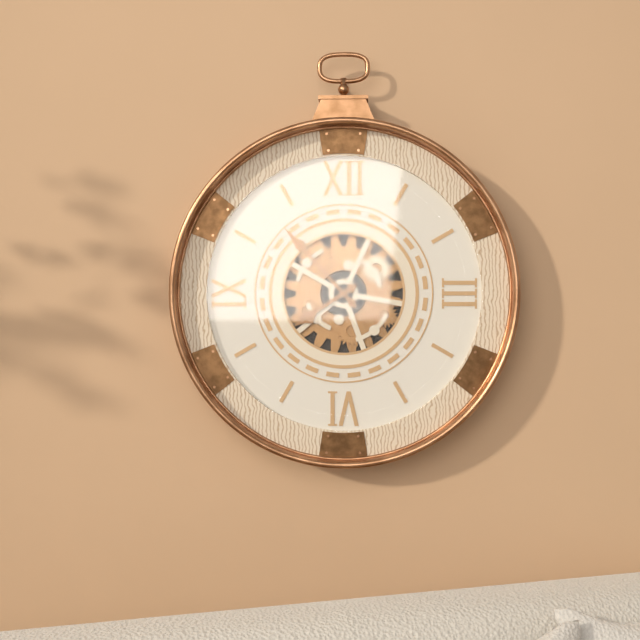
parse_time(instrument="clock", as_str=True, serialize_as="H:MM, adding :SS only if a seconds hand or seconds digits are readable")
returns 7:53
